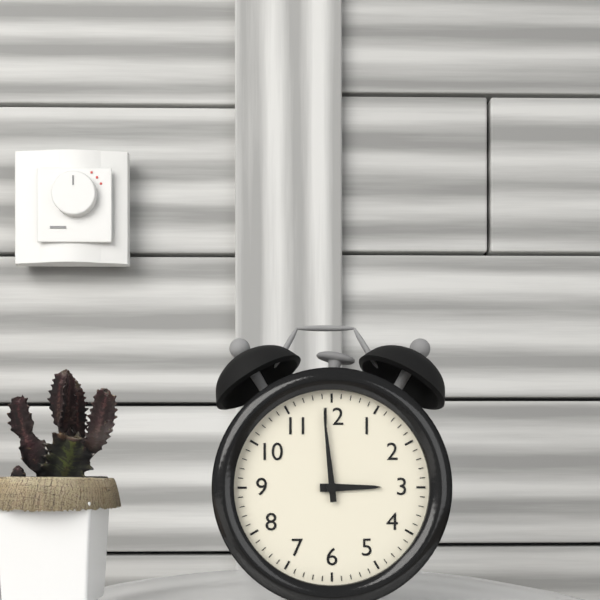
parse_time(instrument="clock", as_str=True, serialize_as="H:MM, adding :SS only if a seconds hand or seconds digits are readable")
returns 2:59
